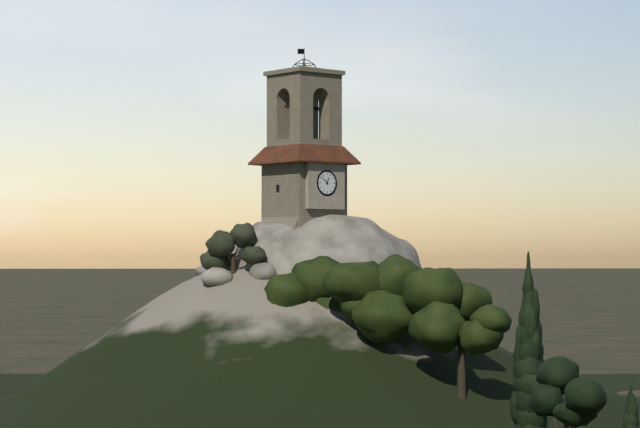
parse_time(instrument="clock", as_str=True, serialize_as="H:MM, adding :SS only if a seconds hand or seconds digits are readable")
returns 12:52
